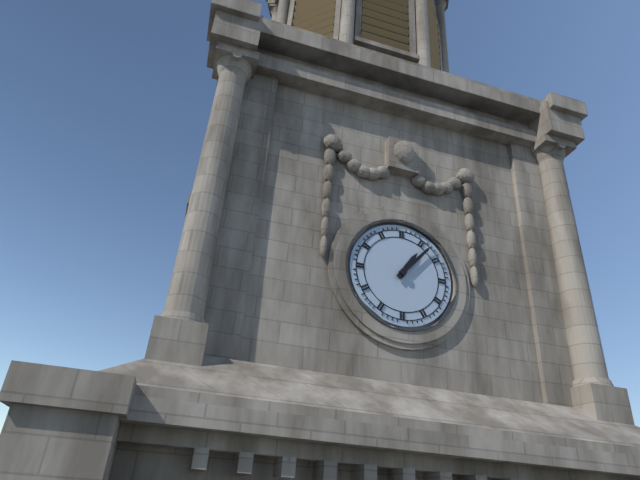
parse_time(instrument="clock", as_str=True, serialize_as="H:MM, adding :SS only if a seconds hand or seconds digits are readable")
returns 1:07
